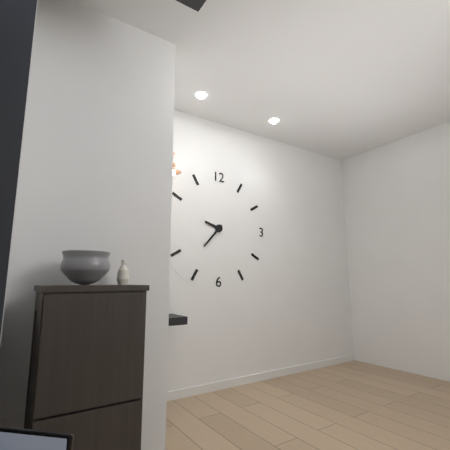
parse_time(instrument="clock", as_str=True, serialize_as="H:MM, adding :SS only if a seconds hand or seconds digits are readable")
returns 9:37
